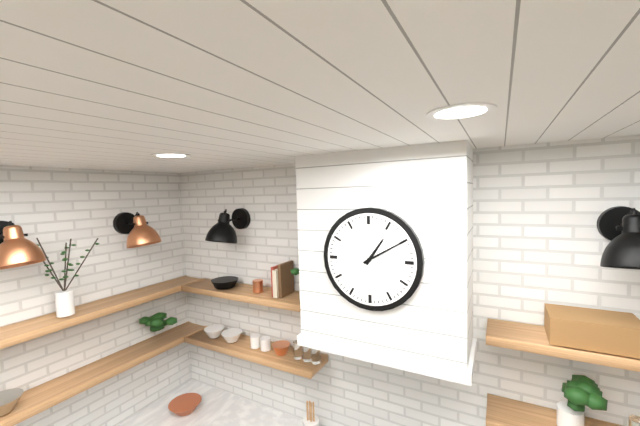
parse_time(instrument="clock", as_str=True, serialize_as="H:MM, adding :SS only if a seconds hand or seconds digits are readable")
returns 1:10
